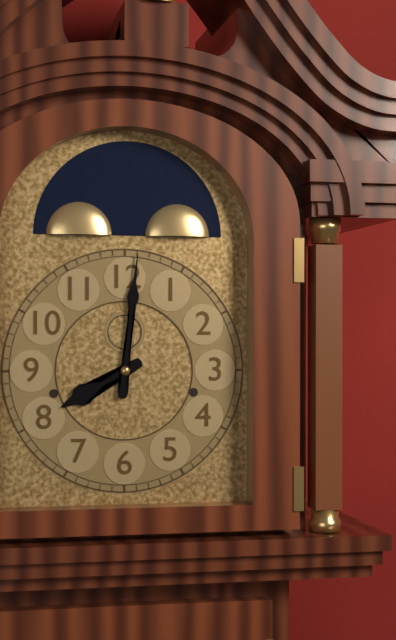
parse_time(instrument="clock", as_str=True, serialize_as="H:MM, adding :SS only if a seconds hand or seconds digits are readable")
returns 8:01
